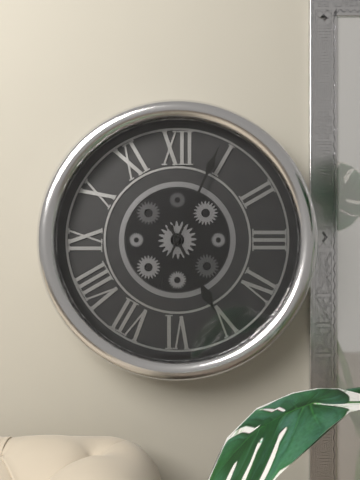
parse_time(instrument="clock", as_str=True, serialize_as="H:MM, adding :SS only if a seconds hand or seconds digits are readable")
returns 5:04
